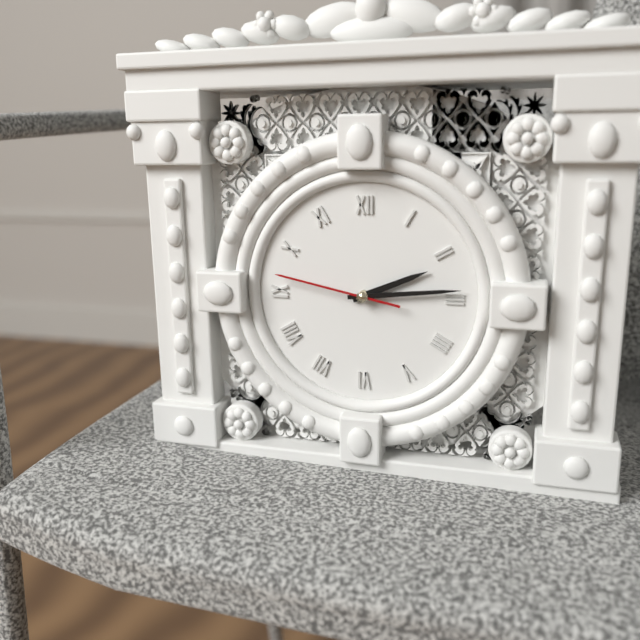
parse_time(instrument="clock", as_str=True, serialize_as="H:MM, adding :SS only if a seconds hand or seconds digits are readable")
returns 2:14:47
